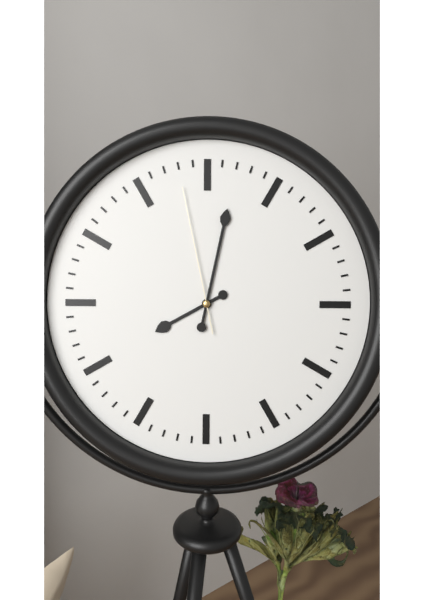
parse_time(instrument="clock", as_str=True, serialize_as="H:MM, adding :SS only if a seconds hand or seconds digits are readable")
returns 8:02:58
